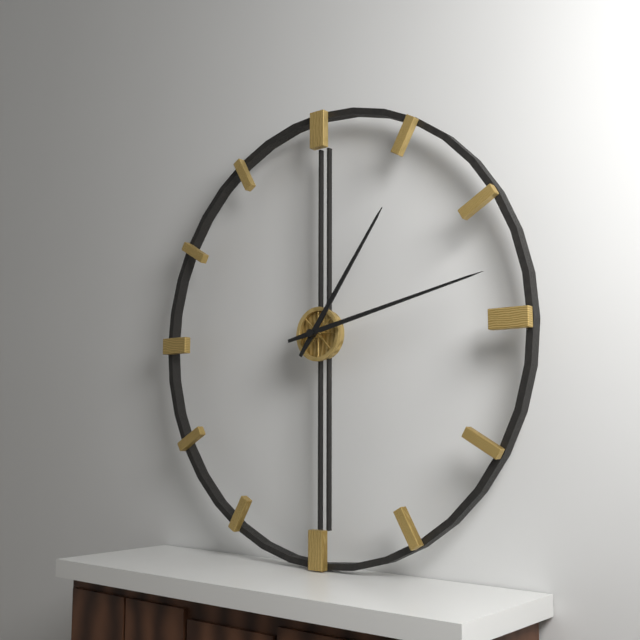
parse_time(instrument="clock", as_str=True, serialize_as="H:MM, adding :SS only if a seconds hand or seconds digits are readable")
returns 1:13
